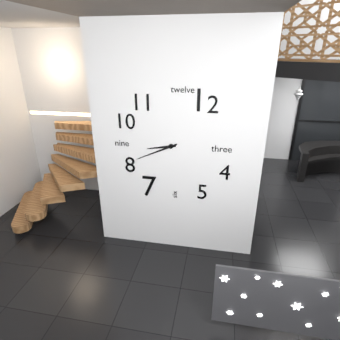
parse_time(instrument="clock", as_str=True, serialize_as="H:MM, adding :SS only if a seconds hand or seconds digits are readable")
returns 8:41
